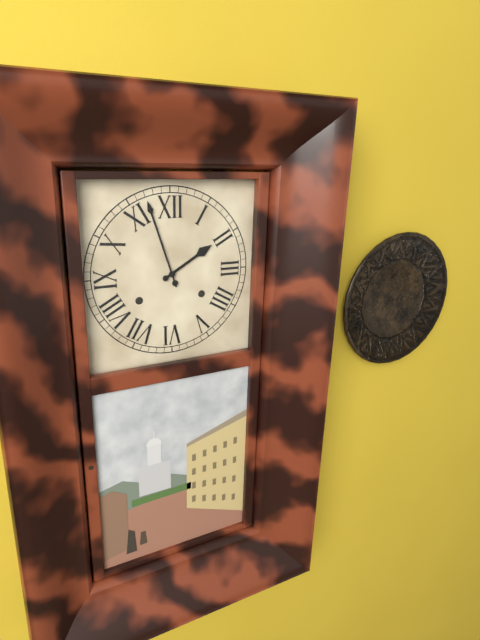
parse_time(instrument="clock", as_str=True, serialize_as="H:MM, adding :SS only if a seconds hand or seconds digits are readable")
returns 1:57
